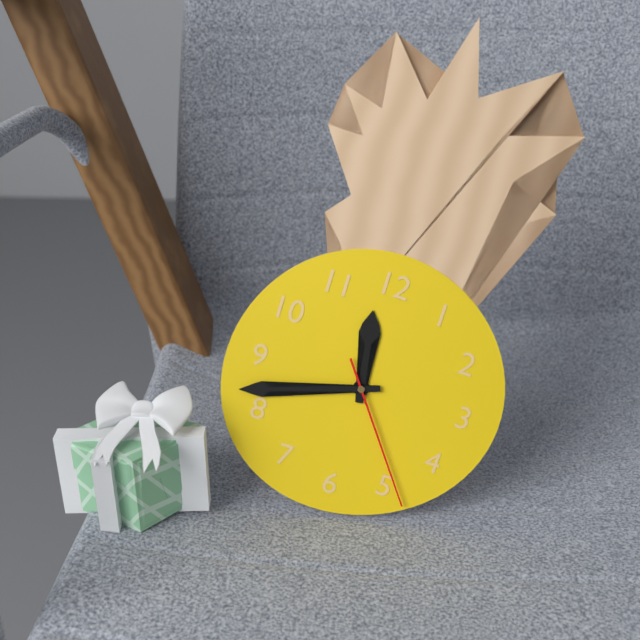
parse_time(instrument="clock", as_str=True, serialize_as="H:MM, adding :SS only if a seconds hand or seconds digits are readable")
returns 11:42:24
